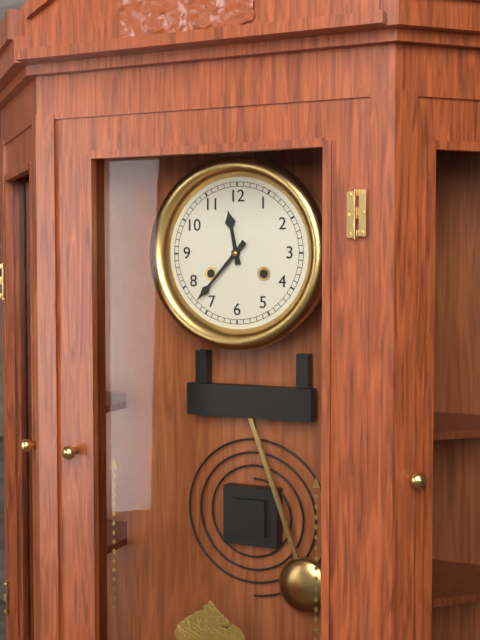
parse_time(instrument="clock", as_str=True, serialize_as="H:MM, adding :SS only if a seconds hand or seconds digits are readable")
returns 11:37
